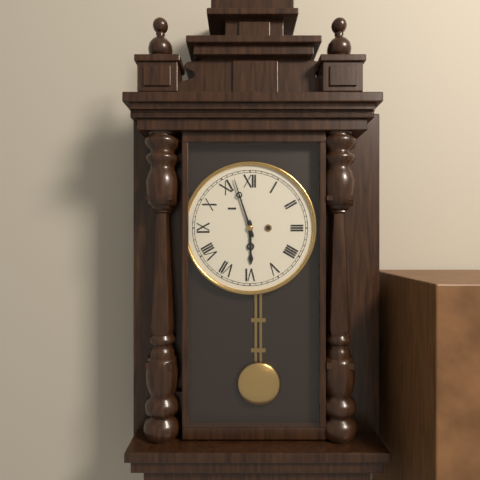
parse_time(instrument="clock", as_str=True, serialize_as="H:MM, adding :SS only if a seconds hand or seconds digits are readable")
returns 5:57
